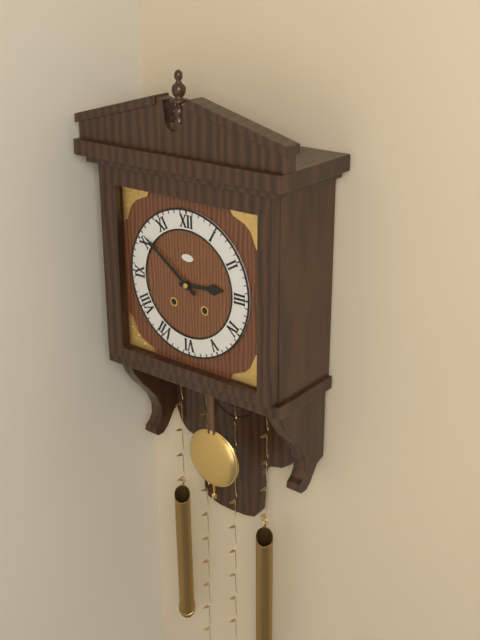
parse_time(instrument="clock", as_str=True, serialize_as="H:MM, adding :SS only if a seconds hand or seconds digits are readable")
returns 2:51
